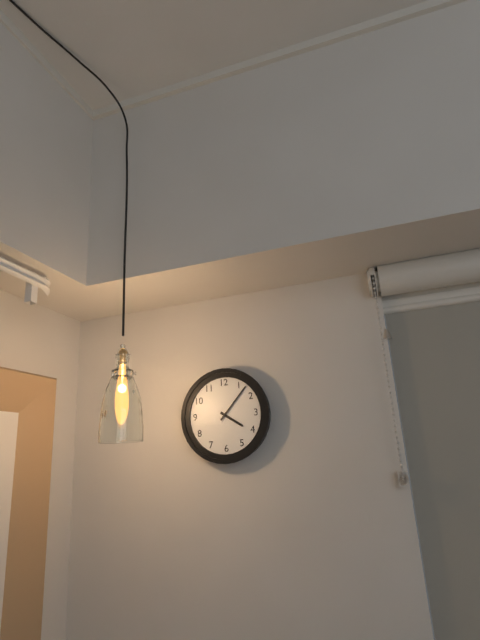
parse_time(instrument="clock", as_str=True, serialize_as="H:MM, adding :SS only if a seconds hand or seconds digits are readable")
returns 4:07
